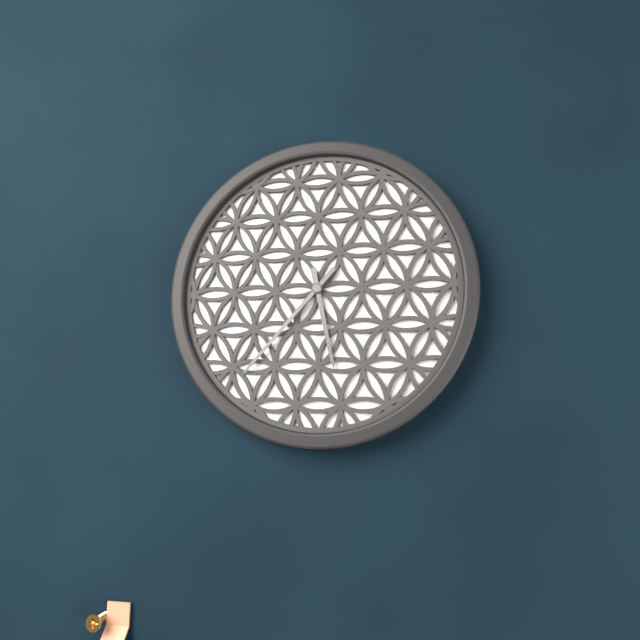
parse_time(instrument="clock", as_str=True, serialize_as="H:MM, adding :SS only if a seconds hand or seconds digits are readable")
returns 5:37
